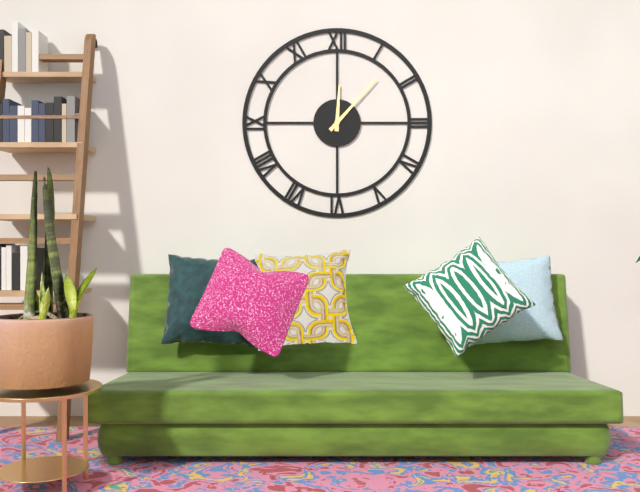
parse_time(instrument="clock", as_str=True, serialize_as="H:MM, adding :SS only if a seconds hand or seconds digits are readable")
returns 12:07
